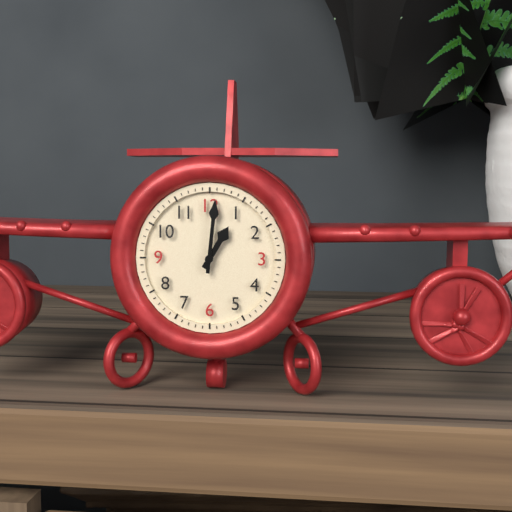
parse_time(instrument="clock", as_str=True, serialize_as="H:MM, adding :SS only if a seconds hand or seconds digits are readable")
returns 1:01
